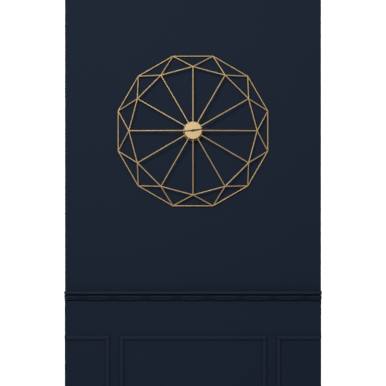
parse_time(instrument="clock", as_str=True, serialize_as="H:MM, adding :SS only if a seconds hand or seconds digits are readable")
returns 2:44
